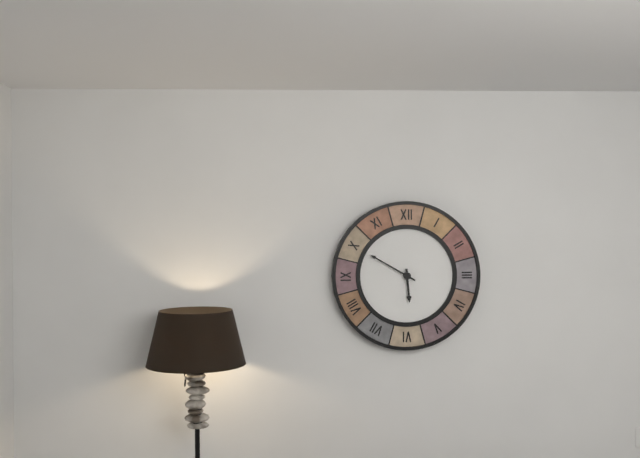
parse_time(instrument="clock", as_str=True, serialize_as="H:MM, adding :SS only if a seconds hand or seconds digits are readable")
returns 5:50
